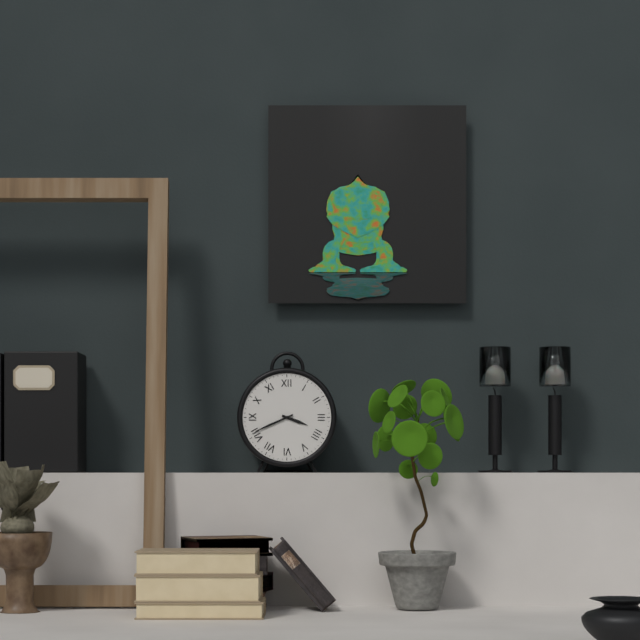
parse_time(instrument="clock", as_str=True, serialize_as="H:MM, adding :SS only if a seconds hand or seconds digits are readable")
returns 3:41
